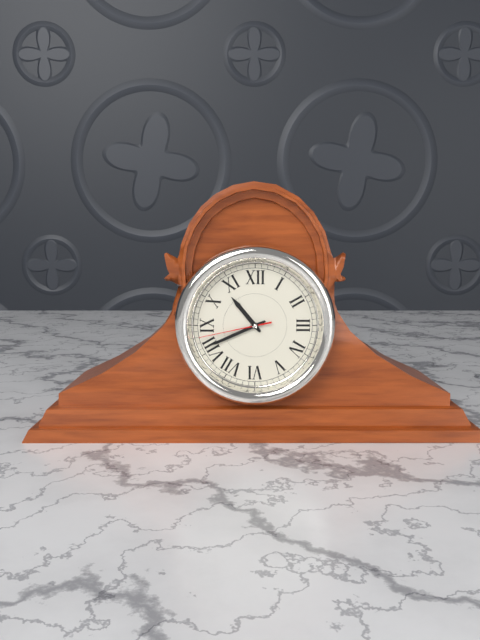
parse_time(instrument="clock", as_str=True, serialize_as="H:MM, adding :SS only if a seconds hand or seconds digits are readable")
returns 10:41:43
